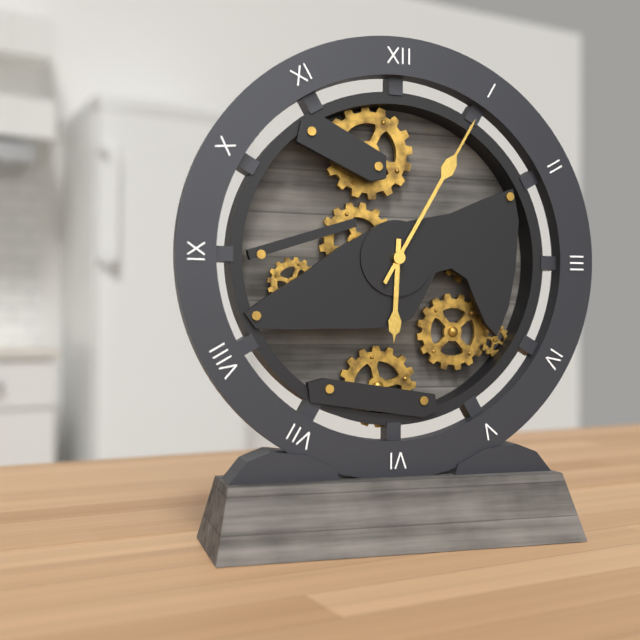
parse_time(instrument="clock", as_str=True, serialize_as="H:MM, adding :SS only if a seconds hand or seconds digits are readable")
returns 6:05
